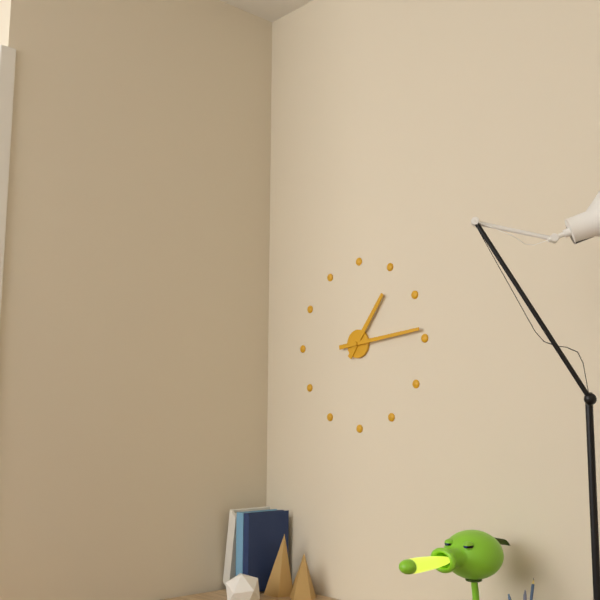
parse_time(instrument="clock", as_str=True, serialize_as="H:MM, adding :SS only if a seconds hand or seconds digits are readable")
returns 1:14
